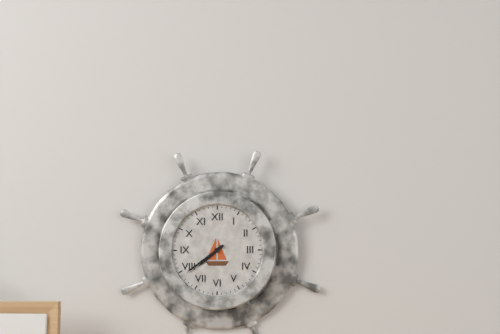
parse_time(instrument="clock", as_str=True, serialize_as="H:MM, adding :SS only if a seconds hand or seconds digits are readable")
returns 7:39
